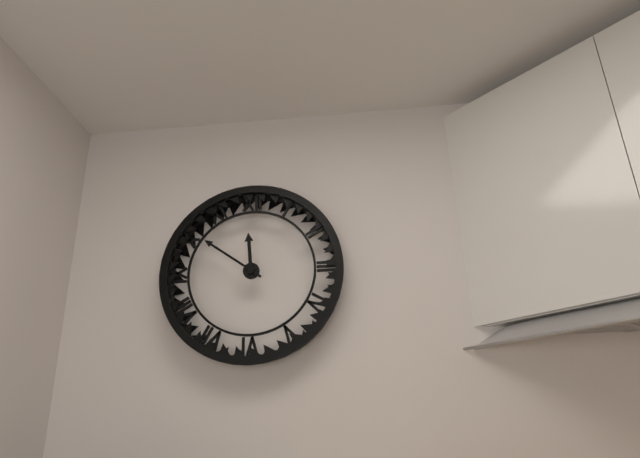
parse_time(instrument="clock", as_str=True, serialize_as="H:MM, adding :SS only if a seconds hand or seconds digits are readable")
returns 11:51
